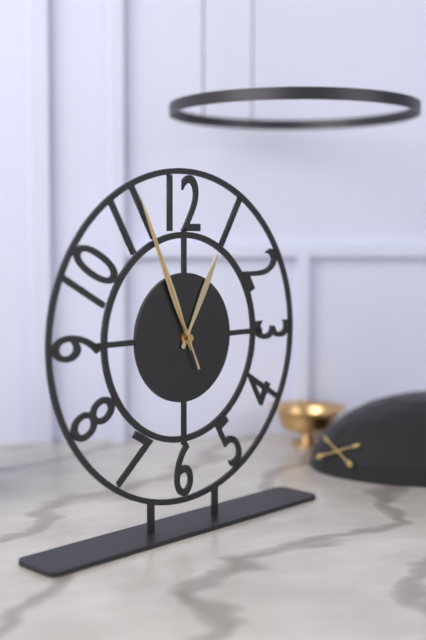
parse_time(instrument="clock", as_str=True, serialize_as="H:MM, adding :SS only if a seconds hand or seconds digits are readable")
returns 12:56:56
